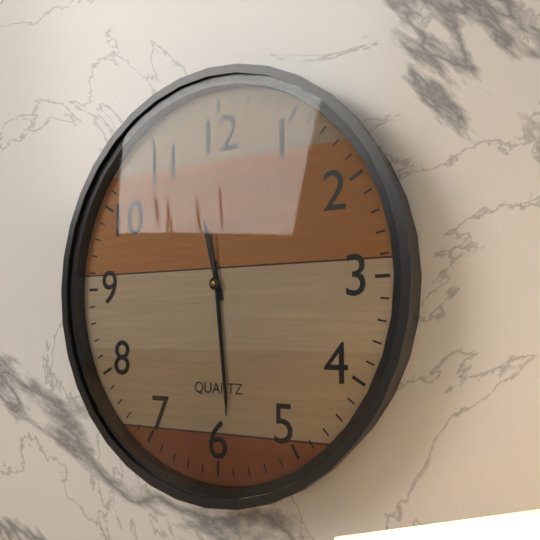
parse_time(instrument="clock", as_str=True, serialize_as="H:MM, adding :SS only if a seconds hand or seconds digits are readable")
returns 11:29:29
